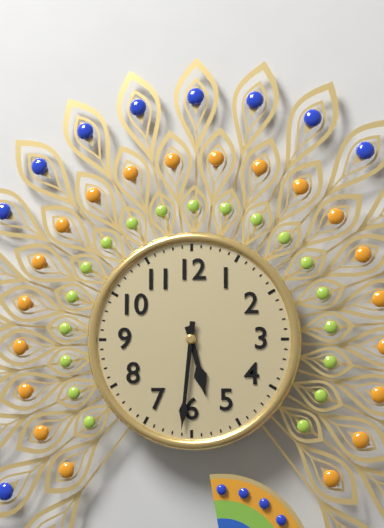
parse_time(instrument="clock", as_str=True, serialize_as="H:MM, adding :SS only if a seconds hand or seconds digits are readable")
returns 5:31
